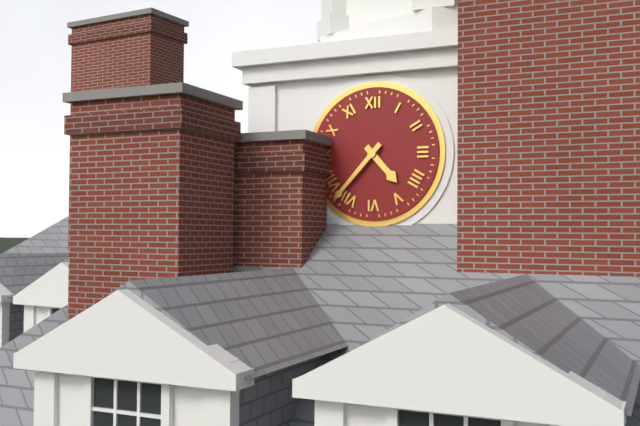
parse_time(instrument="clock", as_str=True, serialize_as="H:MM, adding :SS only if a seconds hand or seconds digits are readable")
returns 4:37
